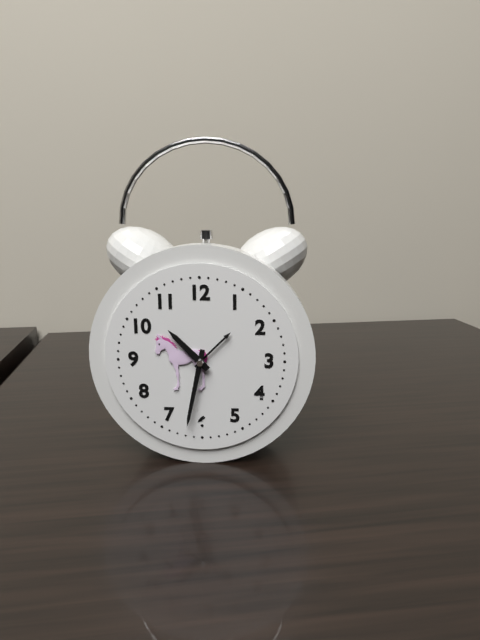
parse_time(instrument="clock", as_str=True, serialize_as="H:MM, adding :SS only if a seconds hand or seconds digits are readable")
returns 10:32
